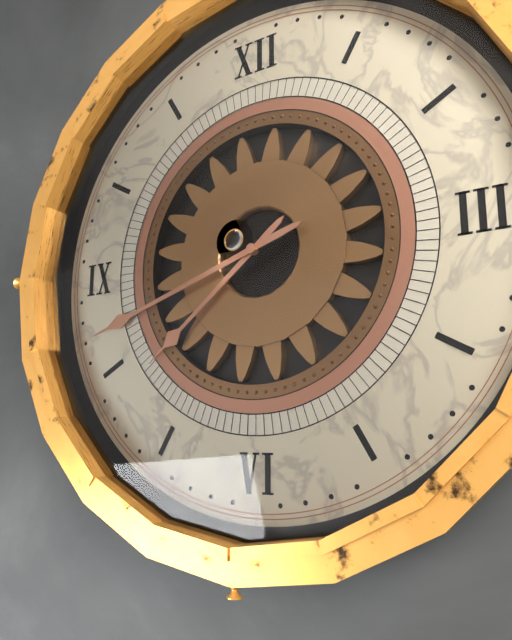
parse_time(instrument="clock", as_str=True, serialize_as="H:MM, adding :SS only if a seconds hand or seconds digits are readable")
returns 7:42
